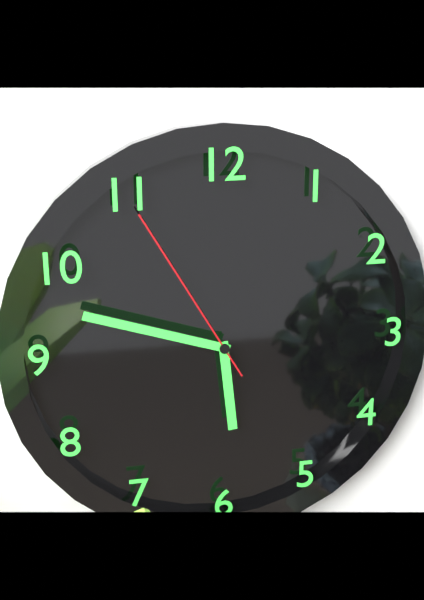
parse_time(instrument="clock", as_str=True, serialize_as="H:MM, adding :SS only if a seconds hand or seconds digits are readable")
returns 5:48:55
